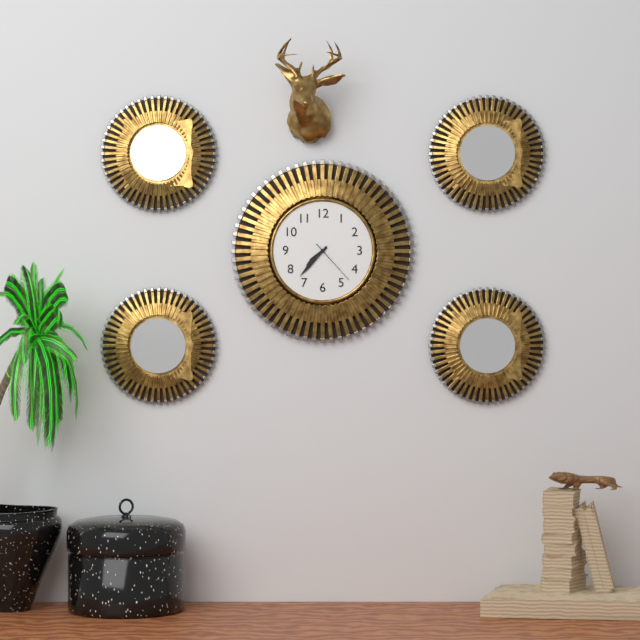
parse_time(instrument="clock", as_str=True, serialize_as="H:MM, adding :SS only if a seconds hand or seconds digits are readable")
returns 7:37
